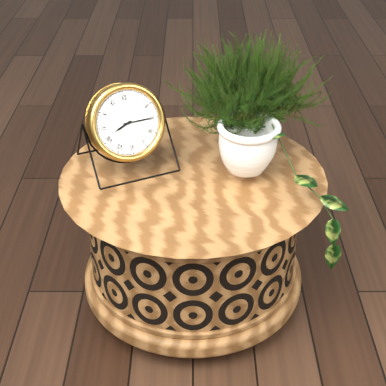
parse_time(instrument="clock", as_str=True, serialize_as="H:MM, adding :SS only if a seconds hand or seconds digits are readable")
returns 8:15
